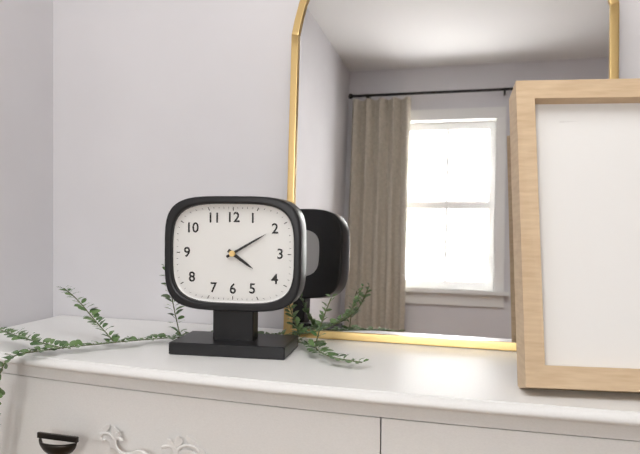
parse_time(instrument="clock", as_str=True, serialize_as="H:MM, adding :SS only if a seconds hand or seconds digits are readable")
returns 4:10
